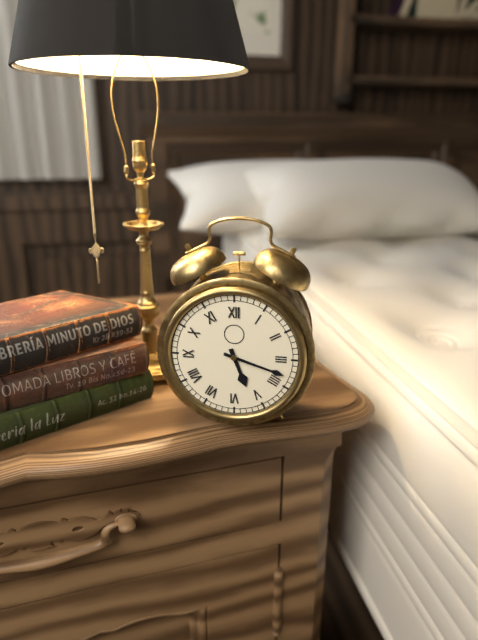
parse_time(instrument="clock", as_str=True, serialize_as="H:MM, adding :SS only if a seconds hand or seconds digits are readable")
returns 5:18
